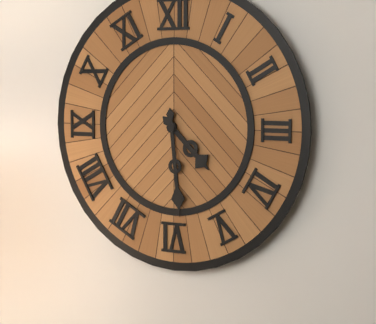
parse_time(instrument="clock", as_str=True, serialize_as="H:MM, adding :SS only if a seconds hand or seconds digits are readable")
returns 4:29
